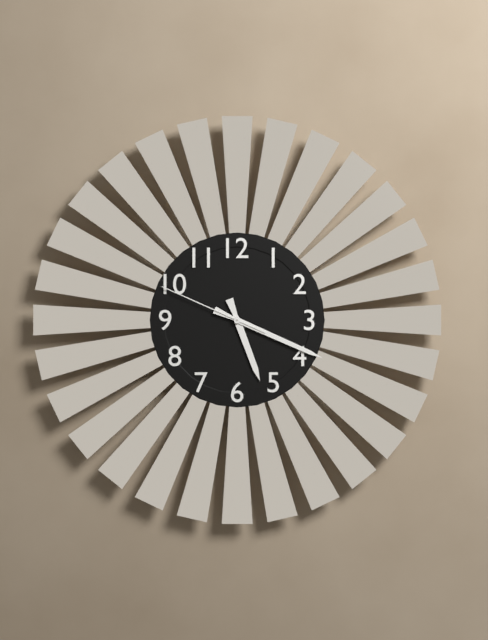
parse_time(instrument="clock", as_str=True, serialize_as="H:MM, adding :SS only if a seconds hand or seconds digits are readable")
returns 5:19:49
